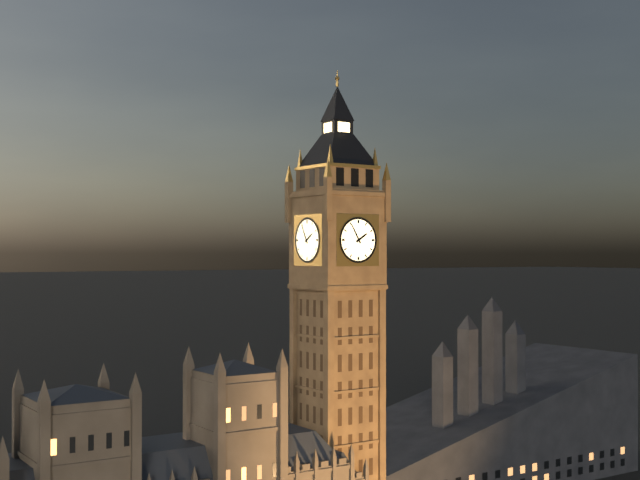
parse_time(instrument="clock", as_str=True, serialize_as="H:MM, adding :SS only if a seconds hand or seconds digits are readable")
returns 1:55
